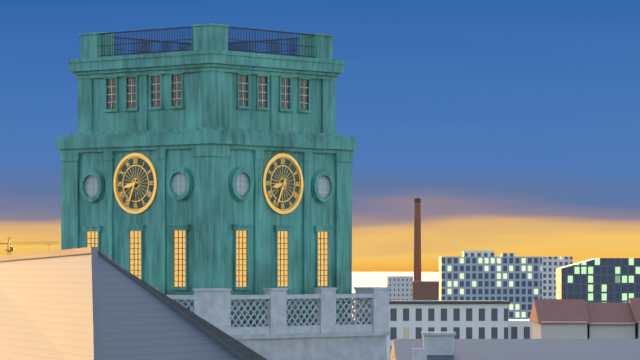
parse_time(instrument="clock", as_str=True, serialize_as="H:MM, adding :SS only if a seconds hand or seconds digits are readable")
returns 8:34
